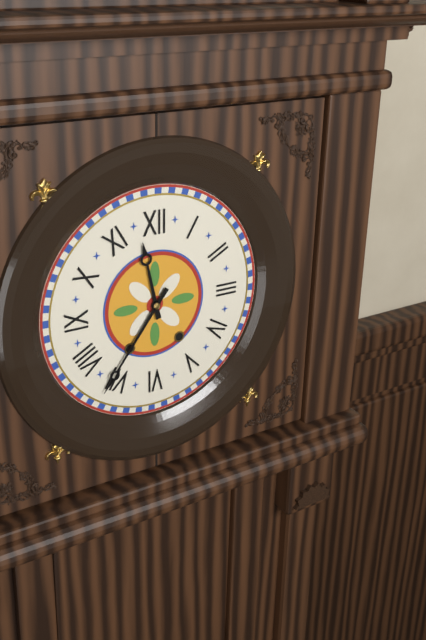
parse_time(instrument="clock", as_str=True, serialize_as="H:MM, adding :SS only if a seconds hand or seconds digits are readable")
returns 11:36
